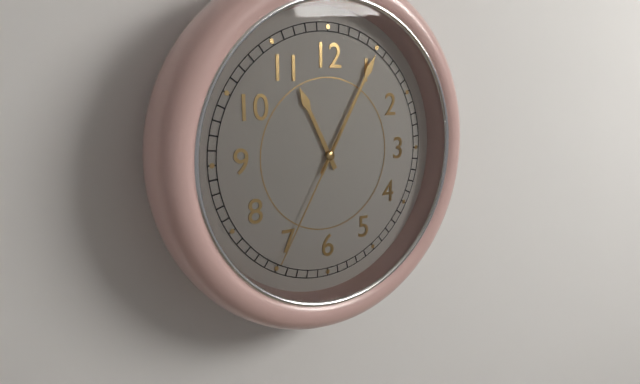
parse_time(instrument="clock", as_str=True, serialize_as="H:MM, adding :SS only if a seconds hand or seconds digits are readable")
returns 11:05:35
